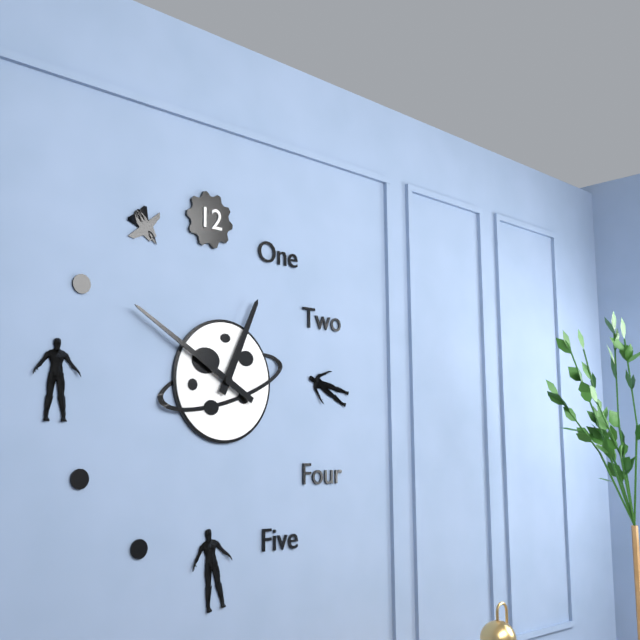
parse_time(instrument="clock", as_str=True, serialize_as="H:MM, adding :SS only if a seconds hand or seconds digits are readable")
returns 12:50
